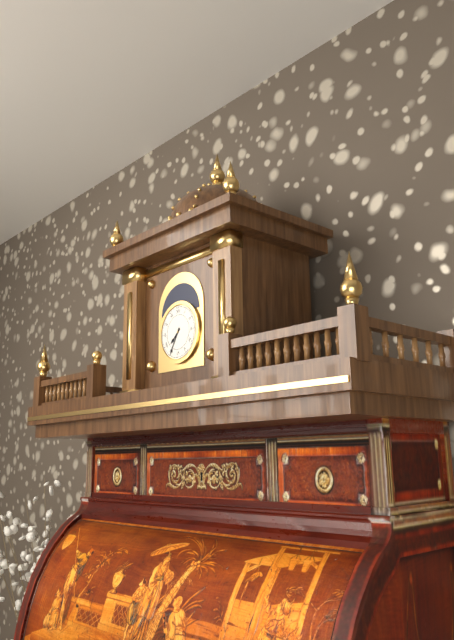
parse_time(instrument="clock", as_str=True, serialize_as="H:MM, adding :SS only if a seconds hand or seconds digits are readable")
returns 7:35
